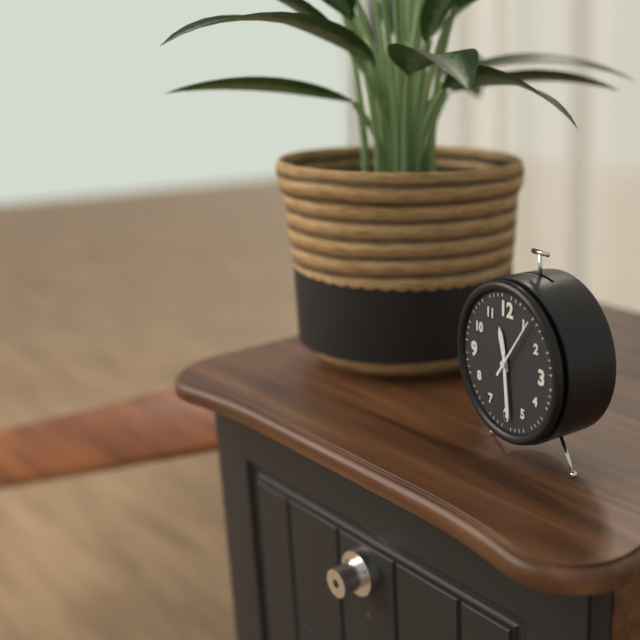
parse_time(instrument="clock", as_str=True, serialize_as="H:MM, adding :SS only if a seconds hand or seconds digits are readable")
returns 11:29:06
